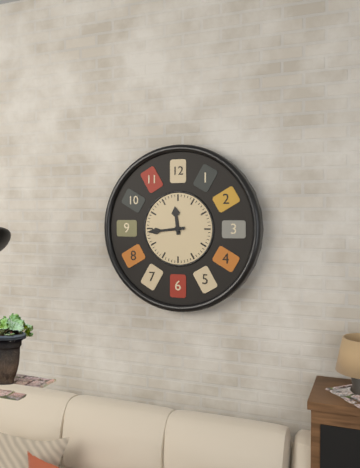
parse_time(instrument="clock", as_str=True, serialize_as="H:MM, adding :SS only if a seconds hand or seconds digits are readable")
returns 11:44
